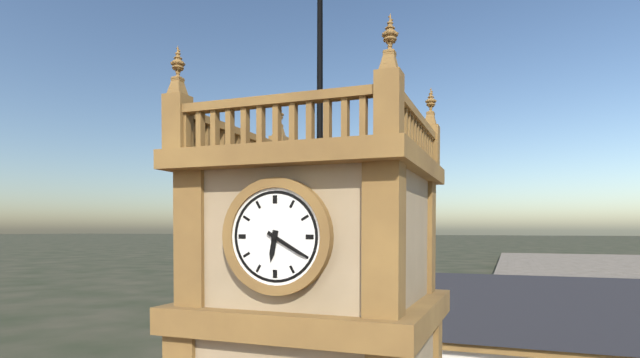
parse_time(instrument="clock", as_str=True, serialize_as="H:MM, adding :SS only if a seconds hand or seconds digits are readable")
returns 6:20
